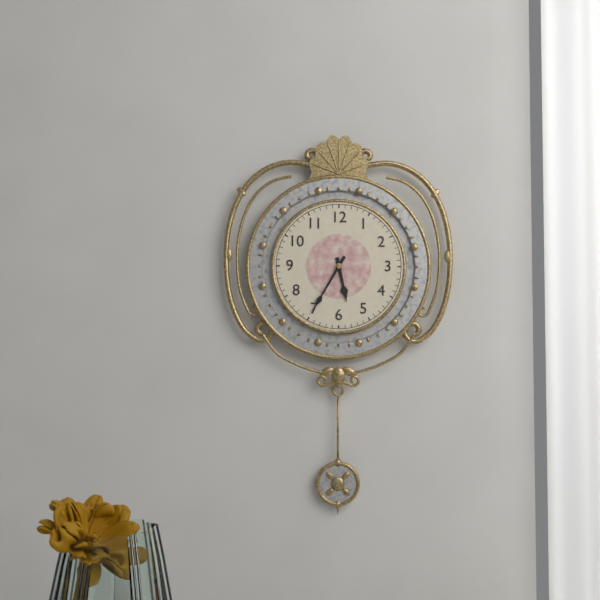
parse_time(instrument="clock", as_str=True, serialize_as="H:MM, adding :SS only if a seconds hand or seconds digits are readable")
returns 5:35
